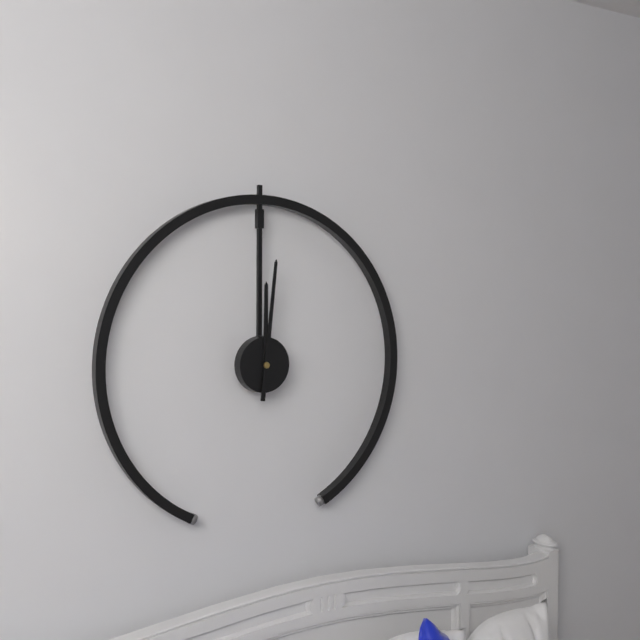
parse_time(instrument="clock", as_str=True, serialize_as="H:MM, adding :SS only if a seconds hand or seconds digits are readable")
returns 12:01
